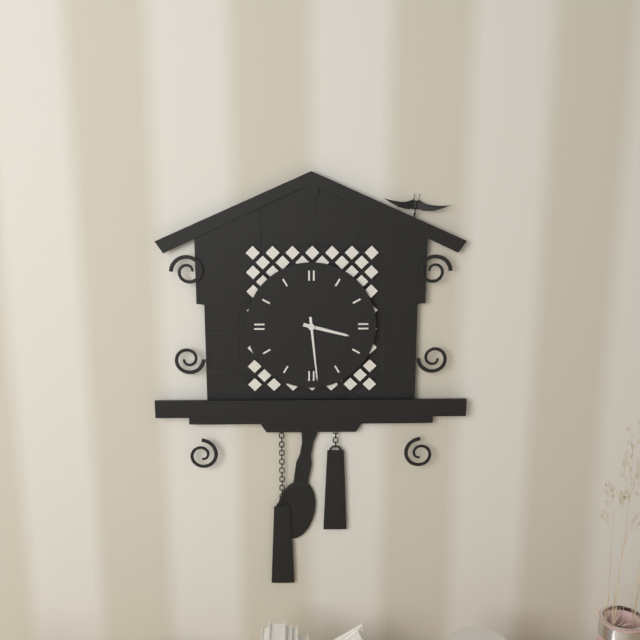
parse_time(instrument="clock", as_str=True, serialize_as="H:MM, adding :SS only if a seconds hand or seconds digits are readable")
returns 3:29
